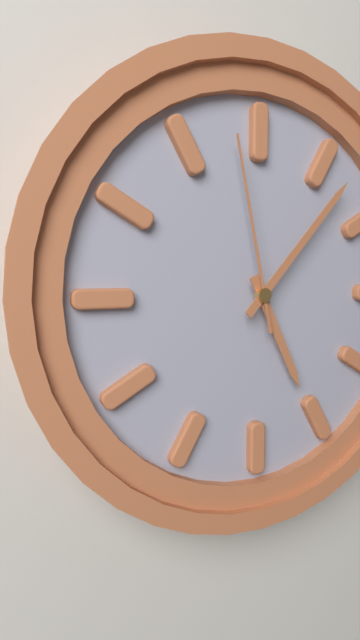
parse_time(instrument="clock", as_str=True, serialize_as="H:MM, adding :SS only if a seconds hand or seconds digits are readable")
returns 5:07:58
